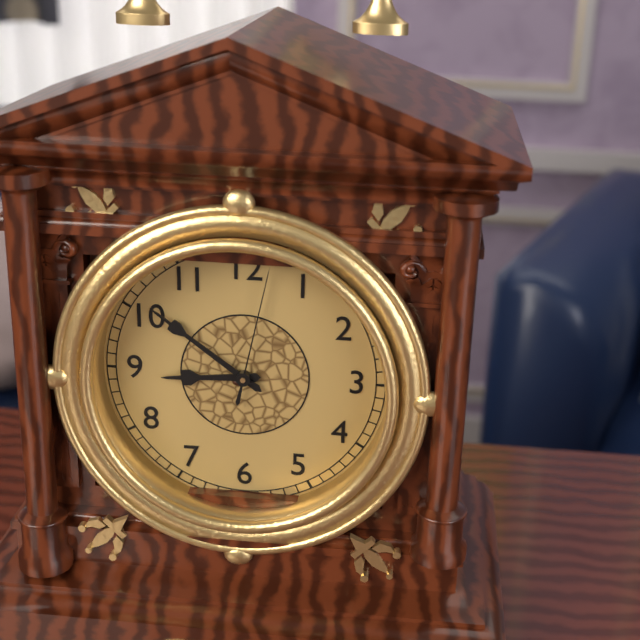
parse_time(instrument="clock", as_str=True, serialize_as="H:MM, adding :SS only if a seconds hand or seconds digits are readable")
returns 8:51:02
